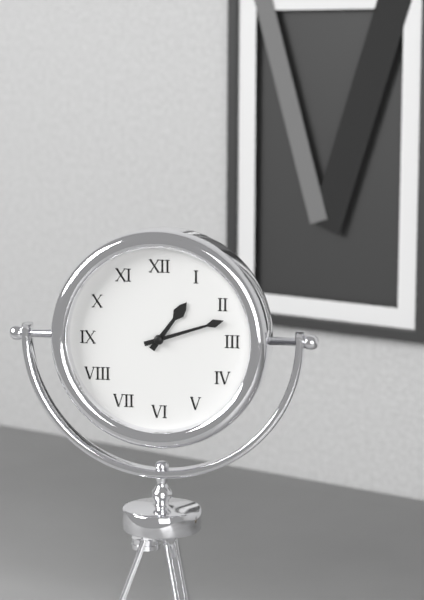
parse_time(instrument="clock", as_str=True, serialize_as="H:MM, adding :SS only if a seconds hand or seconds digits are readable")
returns 1:12
